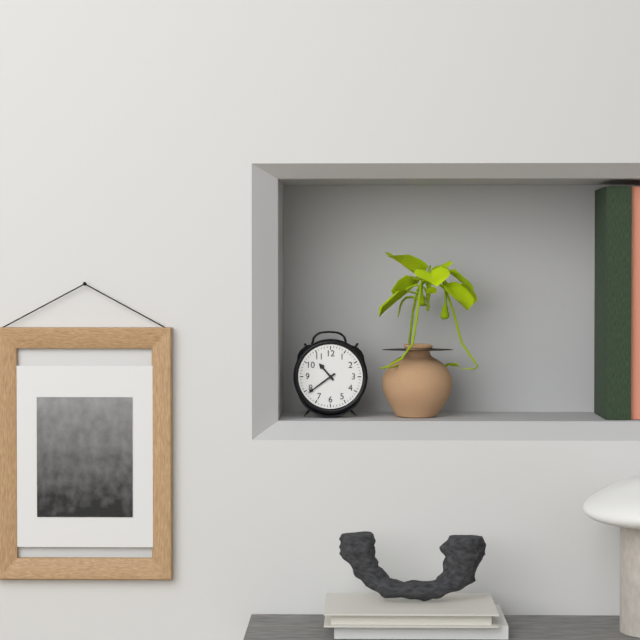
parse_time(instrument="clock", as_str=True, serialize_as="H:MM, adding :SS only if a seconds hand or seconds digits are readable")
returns 10:39
